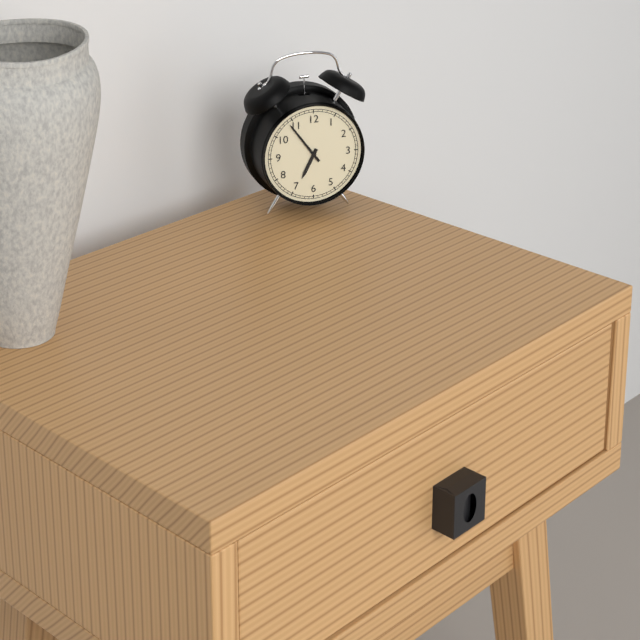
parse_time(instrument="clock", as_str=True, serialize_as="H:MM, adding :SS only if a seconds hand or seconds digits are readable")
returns 6:54
